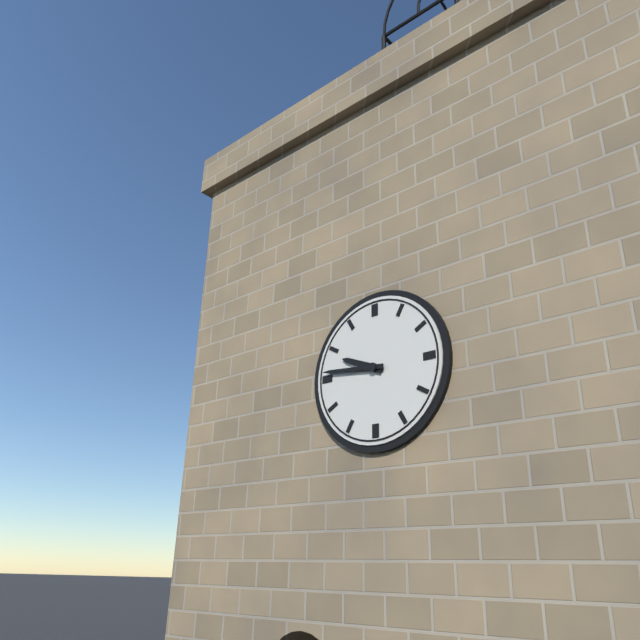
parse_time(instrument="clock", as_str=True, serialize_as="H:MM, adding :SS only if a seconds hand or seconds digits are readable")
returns 9:46
